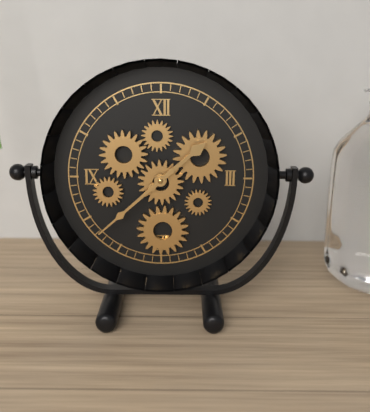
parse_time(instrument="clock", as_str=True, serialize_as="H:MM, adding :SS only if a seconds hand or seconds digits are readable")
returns 1:38
